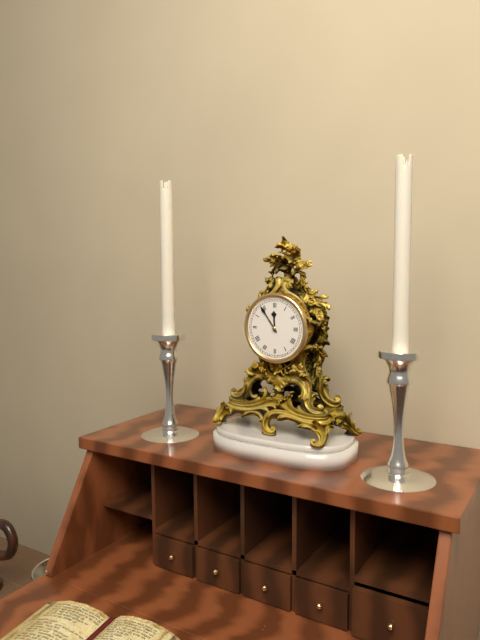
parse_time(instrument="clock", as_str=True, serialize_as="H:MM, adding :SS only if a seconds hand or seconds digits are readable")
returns 11:54
